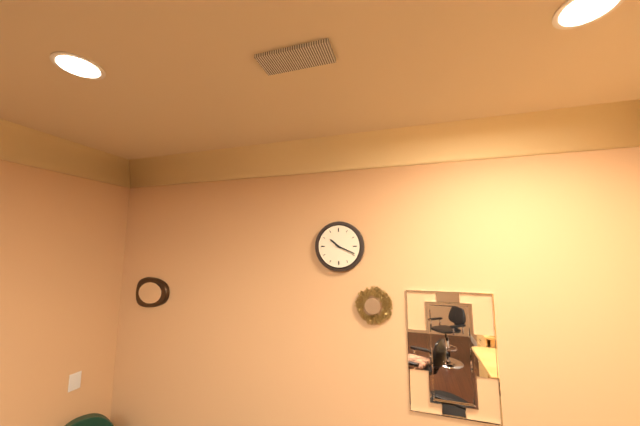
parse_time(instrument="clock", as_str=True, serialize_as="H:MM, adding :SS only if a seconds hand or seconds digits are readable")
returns 10:19
